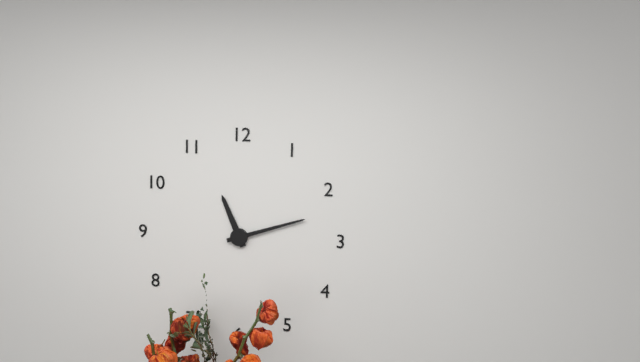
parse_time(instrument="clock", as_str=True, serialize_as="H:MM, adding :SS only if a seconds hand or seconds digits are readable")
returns 11:12
